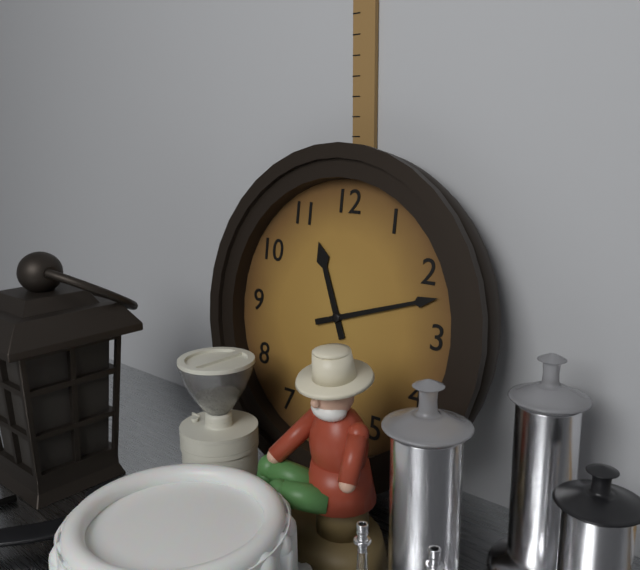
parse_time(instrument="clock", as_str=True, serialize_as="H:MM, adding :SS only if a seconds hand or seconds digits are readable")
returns 11:12
